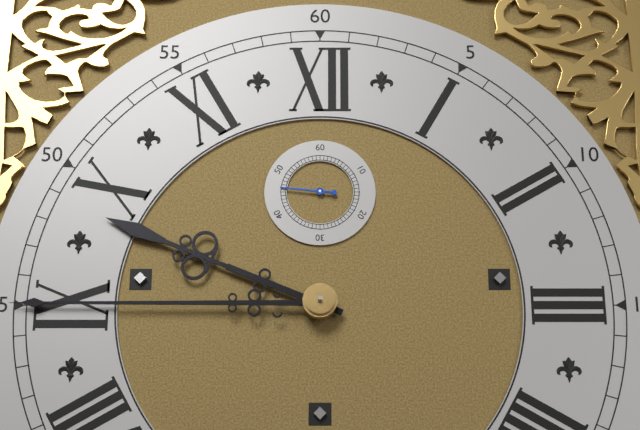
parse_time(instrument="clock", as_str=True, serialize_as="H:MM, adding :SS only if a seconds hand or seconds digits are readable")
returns 9:45:46
